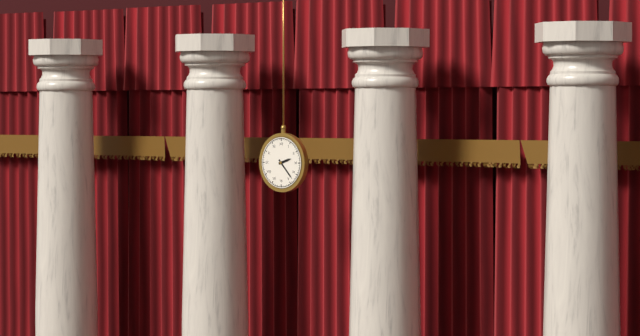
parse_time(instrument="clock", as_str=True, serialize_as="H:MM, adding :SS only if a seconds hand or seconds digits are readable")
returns 2:23
